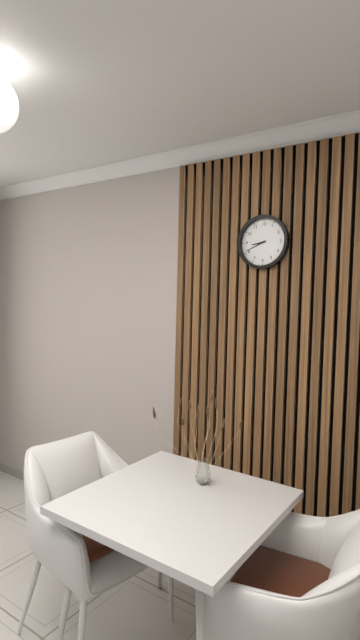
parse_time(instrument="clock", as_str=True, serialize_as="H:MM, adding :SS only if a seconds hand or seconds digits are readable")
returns 8:41
